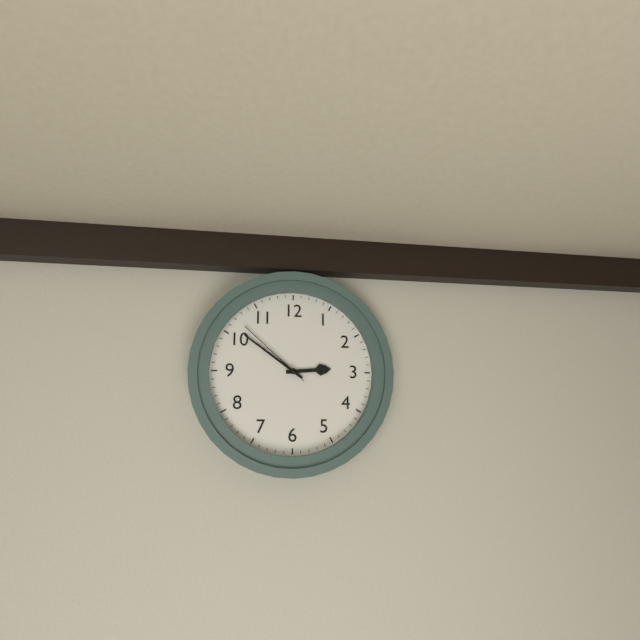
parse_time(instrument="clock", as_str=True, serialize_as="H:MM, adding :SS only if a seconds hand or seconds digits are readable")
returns 2:51:52
